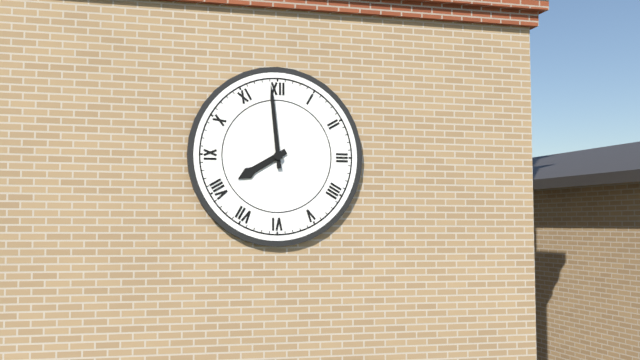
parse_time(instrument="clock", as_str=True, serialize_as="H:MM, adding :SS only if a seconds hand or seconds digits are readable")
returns 7:59
